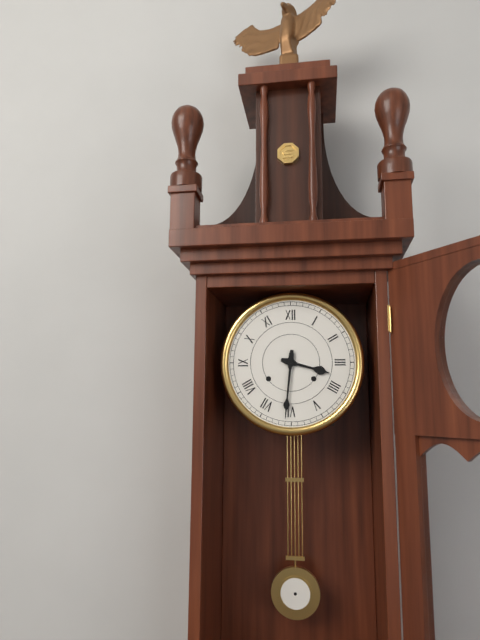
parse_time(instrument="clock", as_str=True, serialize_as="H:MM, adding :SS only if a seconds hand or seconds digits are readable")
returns 3:31
